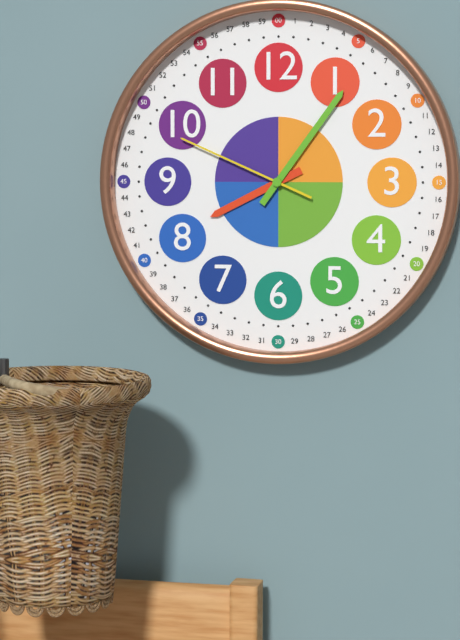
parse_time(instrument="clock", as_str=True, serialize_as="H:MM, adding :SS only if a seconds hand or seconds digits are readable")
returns 8:06:49
